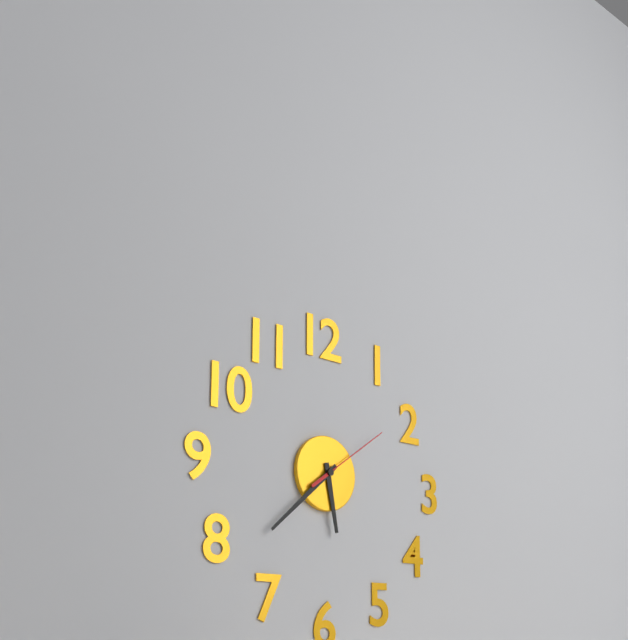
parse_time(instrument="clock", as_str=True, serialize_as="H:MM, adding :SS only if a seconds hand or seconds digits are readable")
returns 5:38:09
